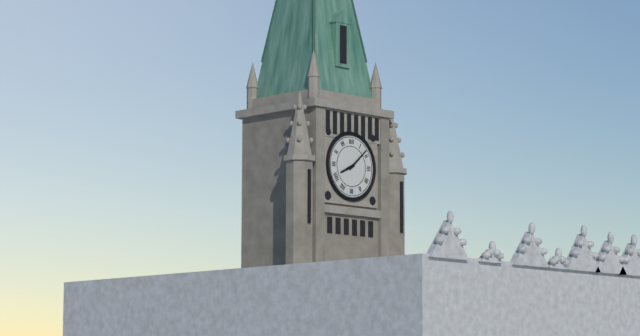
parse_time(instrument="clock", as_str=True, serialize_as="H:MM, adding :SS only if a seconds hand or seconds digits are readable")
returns 8:08
